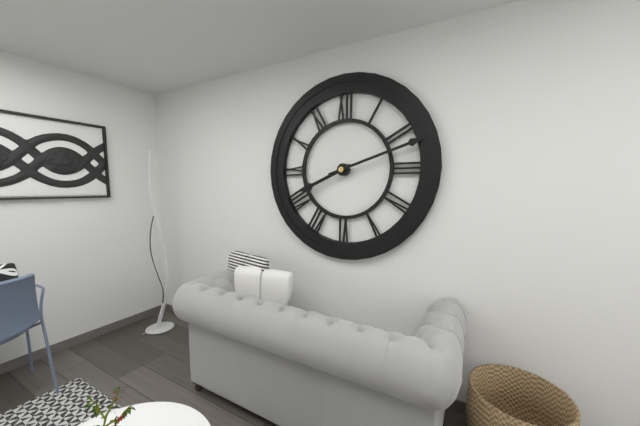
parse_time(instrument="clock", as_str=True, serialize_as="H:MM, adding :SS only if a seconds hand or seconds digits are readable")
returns 8:12
